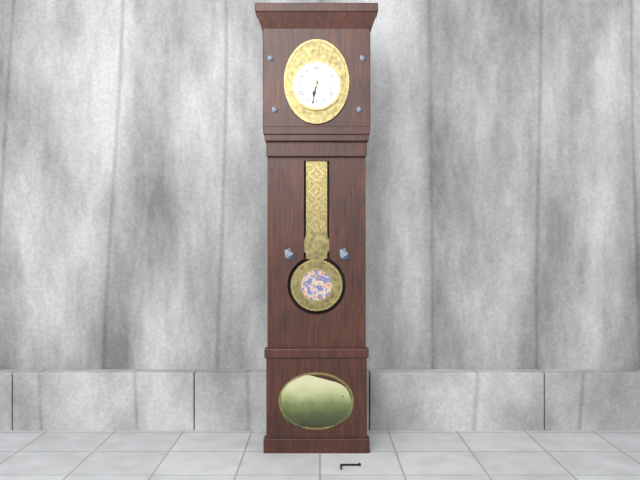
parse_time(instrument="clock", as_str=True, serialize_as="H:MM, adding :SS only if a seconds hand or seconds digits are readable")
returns 6:32
